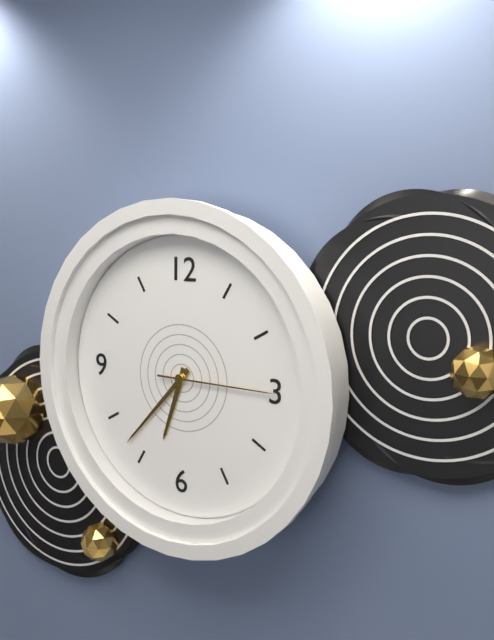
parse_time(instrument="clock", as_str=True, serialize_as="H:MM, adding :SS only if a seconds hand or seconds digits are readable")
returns 6:37:15
